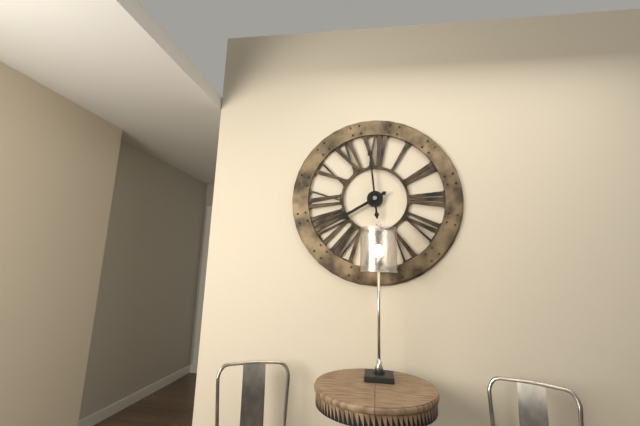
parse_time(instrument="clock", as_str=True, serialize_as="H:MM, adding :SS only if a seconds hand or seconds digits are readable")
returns 7:59
